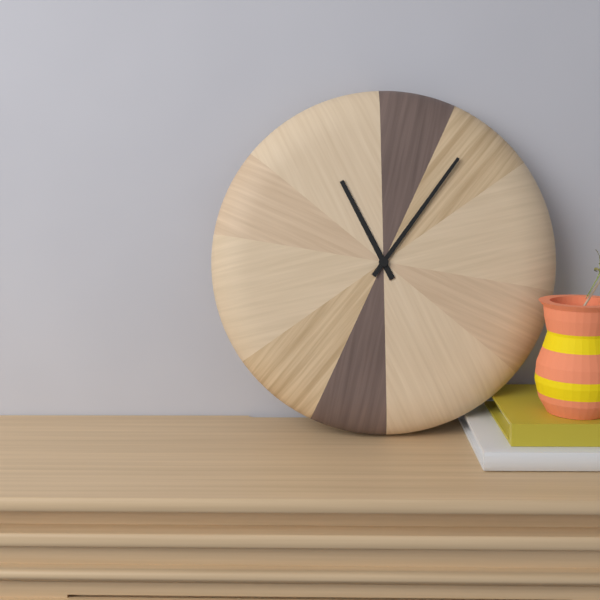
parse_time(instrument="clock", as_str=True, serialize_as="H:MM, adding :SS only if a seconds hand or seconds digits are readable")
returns 11:06
